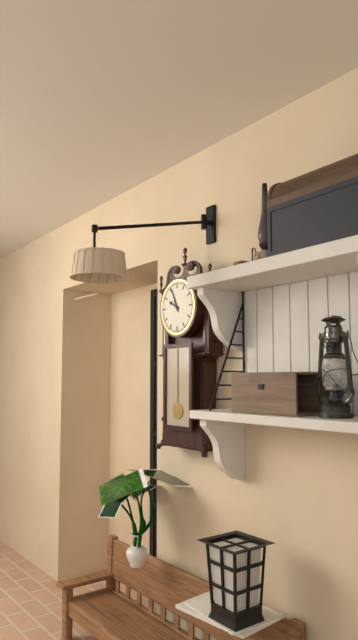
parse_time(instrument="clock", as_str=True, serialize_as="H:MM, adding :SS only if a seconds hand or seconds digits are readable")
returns 9:56
